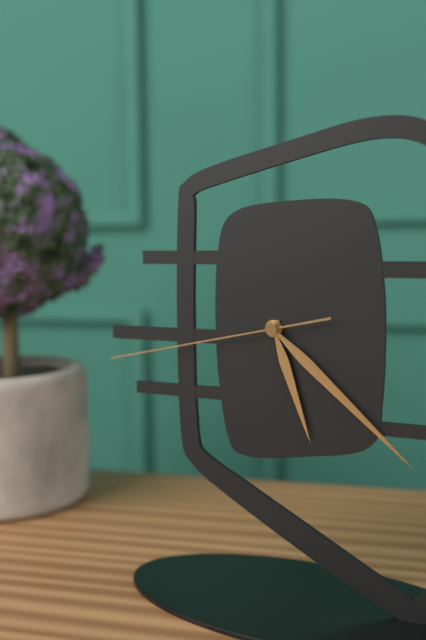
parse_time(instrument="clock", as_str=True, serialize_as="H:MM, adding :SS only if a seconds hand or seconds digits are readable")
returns 5:22:43
